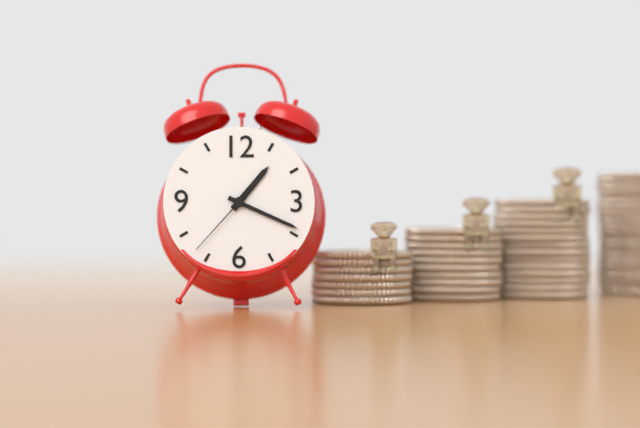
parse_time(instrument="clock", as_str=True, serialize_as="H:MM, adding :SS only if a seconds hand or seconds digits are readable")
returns 1:19:37
